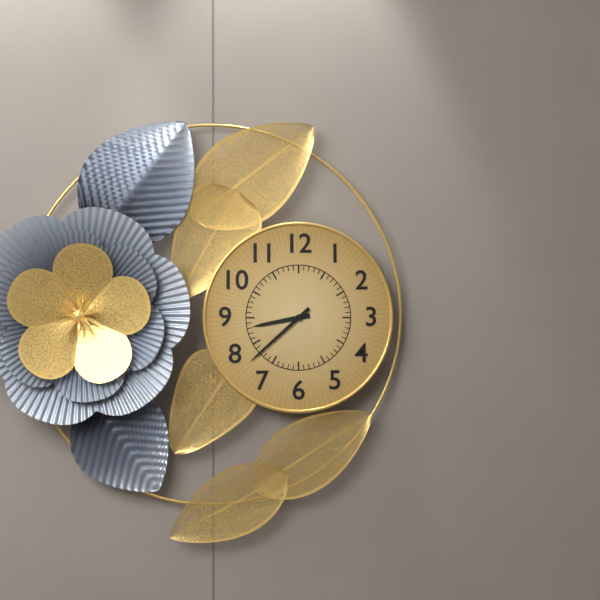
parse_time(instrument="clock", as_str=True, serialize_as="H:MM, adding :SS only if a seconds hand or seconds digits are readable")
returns 8:38
